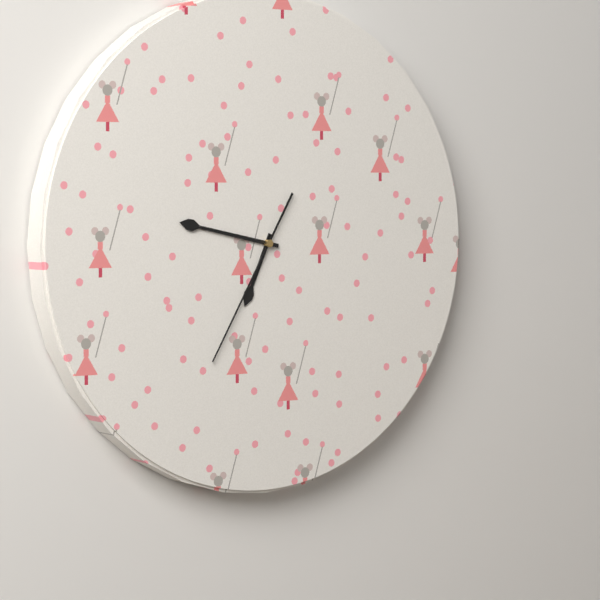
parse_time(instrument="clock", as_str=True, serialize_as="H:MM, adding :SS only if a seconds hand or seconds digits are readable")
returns 6:47:35
